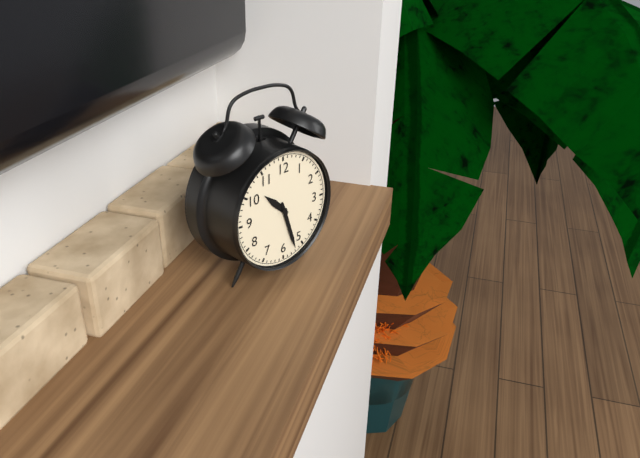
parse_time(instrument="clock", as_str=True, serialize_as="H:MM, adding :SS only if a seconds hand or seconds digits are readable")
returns 10:27
